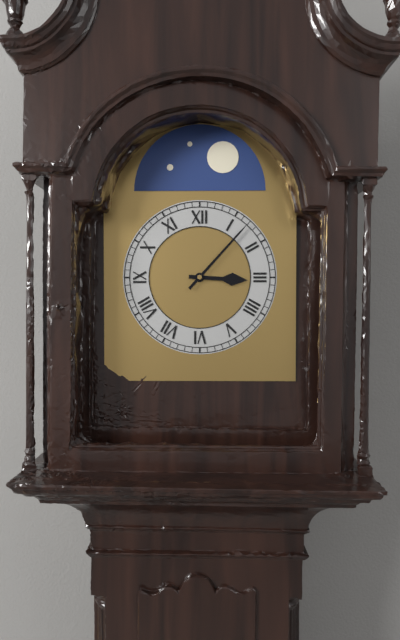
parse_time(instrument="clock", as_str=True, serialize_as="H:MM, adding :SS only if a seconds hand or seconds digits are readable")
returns 3:07
